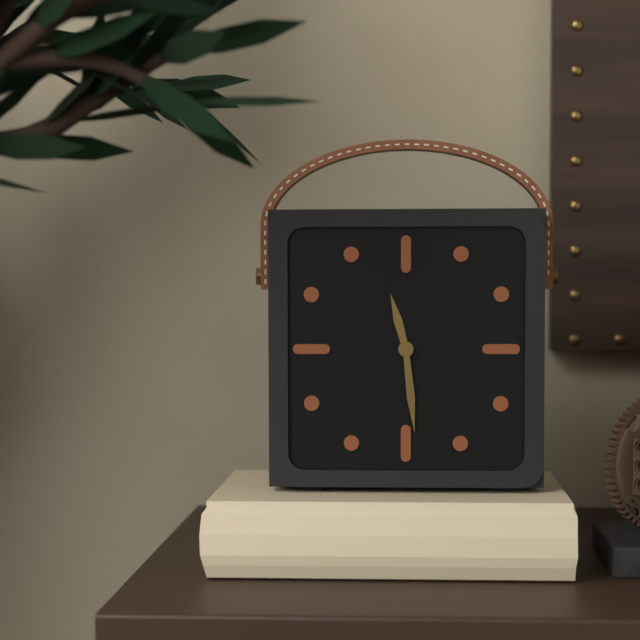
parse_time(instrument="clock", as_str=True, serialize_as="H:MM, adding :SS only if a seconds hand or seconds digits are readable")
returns 11:29
